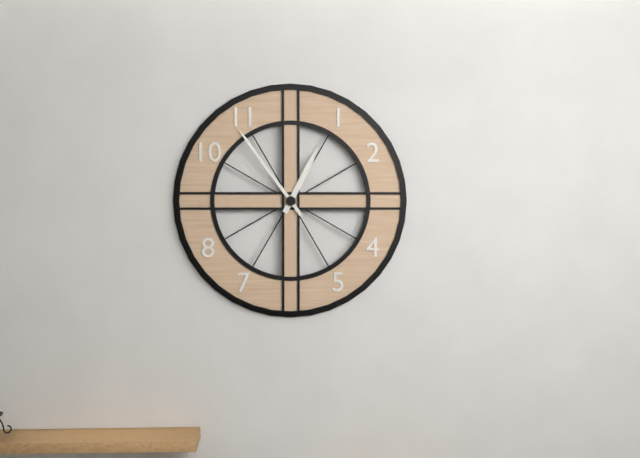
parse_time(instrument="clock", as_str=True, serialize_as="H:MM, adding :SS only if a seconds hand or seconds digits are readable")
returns 12:54
